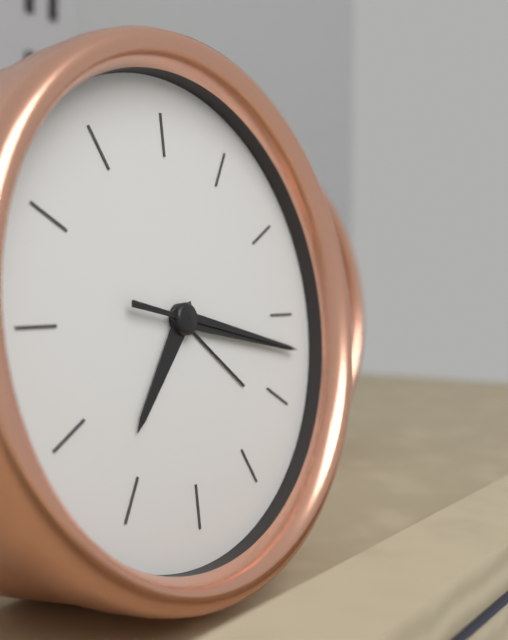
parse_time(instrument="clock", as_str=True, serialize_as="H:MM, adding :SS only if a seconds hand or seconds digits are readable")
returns 7:17:17
